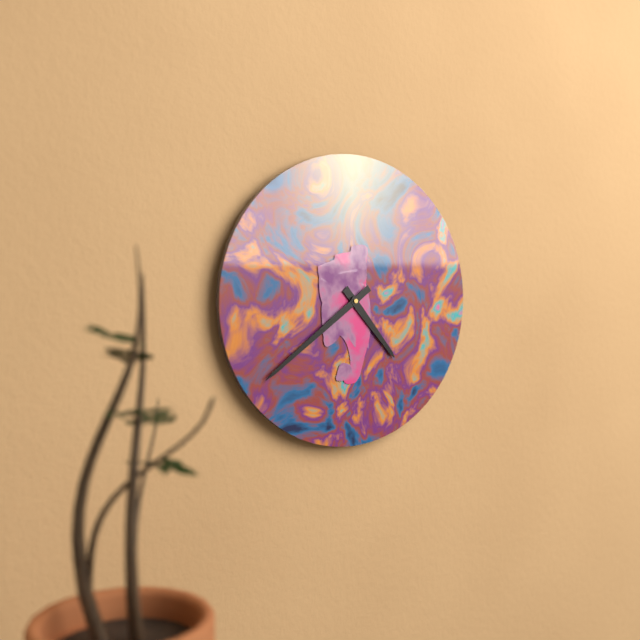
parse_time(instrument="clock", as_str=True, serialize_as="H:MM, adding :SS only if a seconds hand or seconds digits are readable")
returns 4:39
